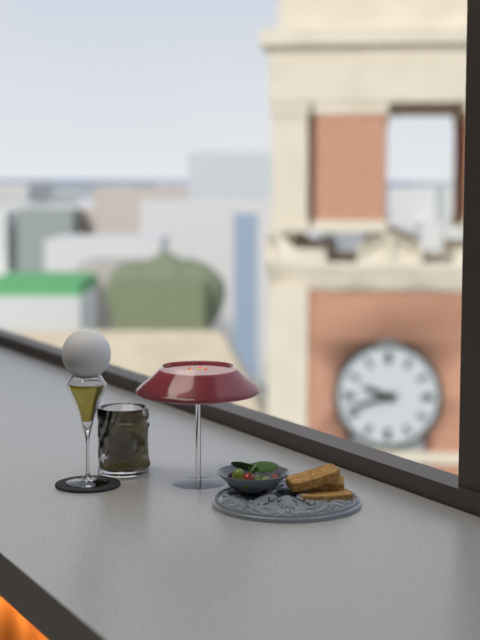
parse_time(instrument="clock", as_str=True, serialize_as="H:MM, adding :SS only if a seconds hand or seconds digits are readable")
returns 9:42
